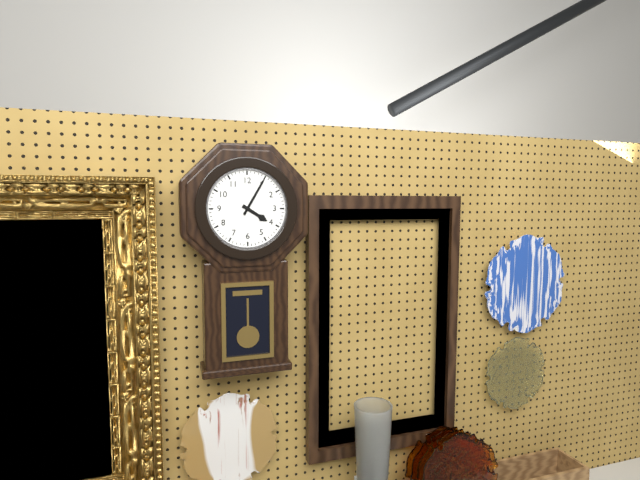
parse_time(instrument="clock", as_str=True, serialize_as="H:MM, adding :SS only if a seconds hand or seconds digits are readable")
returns 4:05
